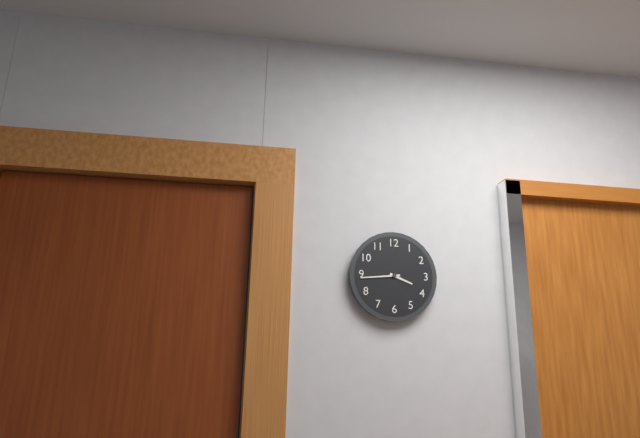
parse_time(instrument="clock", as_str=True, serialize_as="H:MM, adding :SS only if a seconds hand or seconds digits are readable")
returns 3:44
